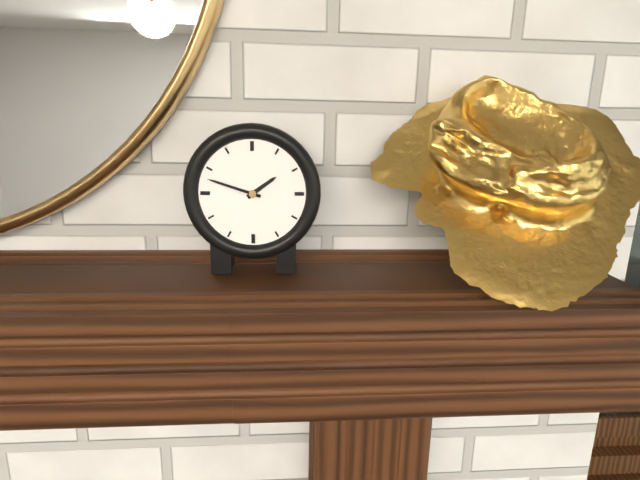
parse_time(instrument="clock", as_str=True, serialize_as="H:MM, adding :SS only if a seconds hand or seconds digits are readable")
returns 1:48
